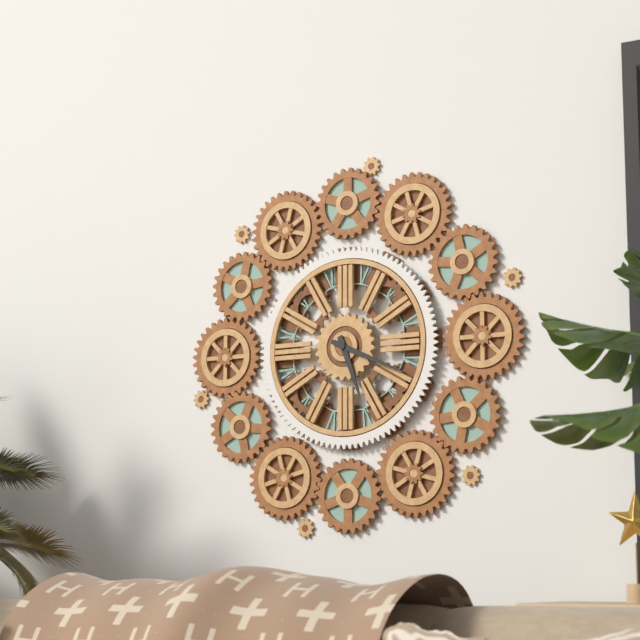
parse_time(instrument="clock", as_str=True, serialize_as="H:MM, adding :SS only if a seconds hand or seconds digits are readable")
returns 5:19
